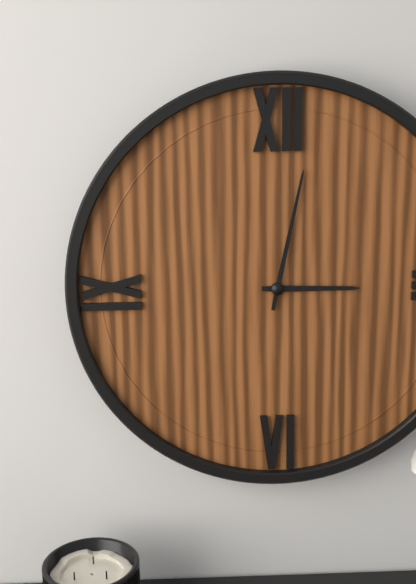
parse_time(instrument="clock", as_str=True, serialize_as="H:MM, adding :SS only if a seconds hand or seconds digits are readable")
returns 3:02
